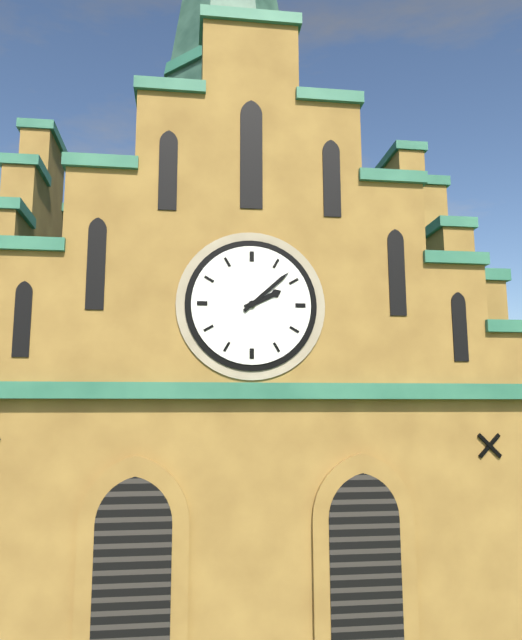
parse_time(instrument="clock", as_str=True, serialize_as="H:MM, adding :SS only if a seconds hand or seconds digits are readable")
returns 2:08
